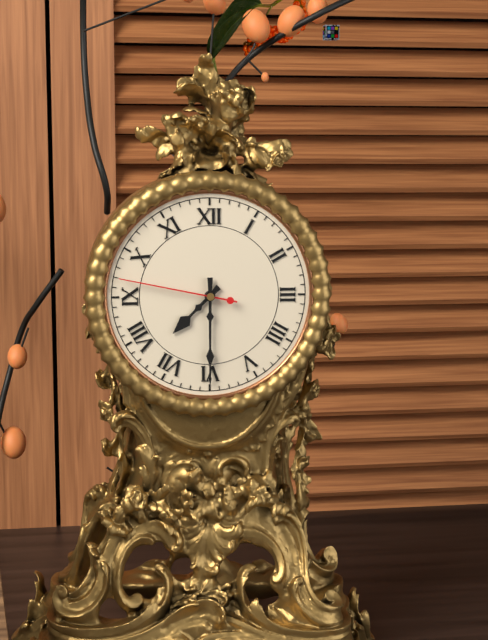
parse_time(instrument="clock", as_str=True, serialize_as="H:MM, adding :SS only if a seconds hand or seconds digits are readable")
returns 7:30:47
